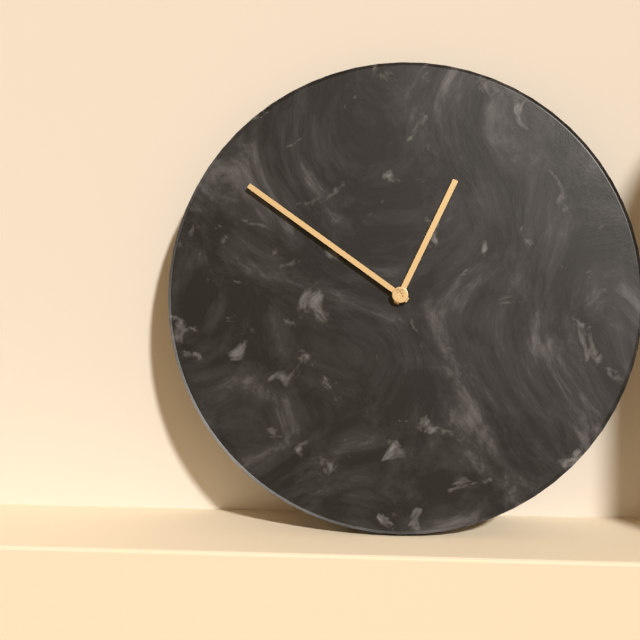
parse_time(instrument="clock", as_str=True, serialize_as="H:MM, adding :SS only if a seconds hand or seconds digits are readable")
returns 12:51
